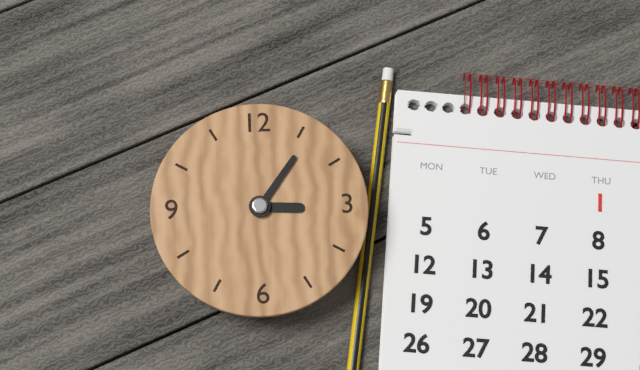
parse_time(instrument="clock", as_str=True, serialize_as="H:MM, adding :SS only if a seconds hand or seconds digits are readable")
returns 3:06
